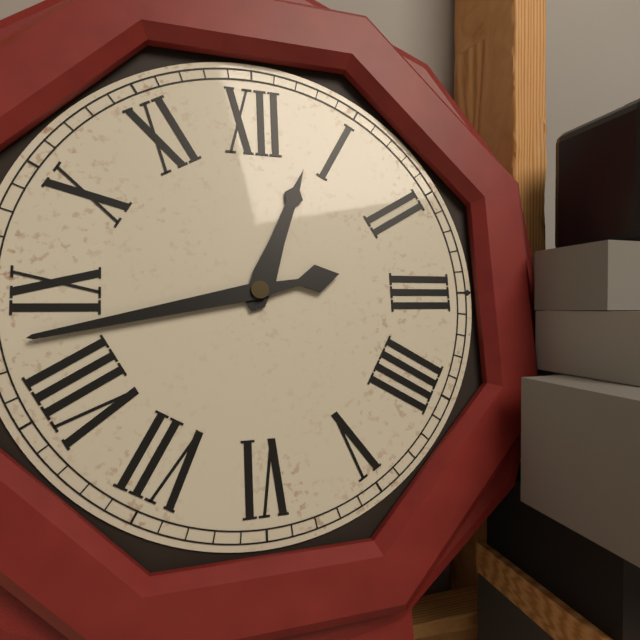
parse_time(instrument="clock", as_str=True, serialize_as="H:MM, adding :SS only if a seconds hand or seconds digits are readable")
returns 12:43
